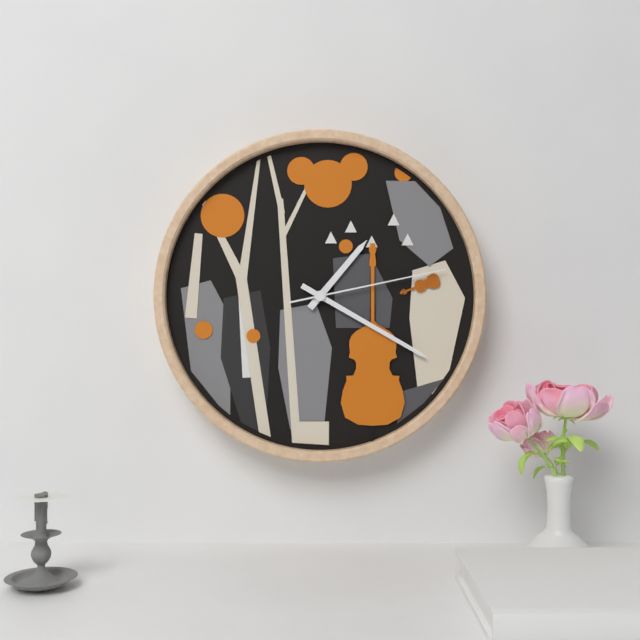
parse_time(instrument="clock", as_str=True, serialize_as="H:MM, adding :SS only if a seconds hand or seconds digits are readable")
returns 1:20:13
